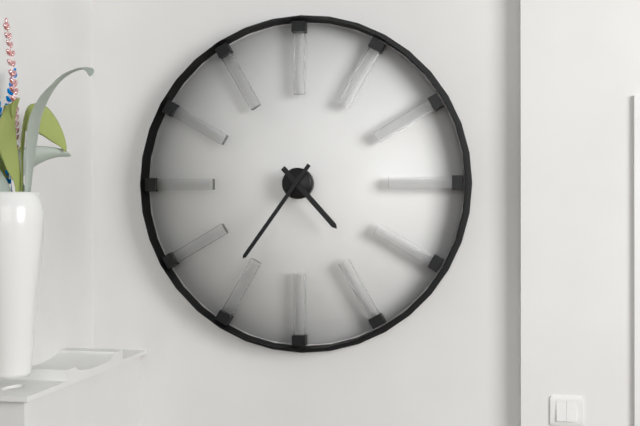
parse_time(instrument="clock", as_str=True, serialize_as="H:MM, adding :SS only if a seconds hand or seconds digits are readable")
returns 4:36
